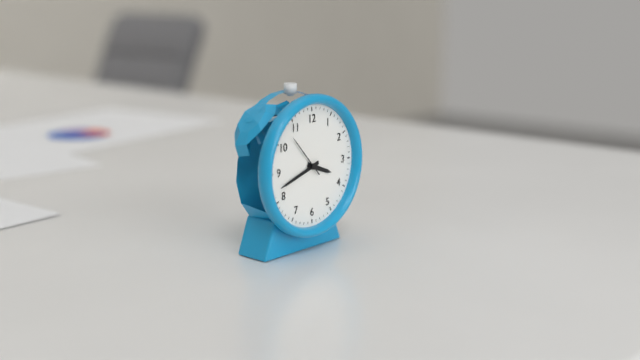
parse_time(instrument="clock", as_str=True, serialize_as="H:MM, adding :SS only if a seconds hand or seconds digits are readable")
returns 3:42
